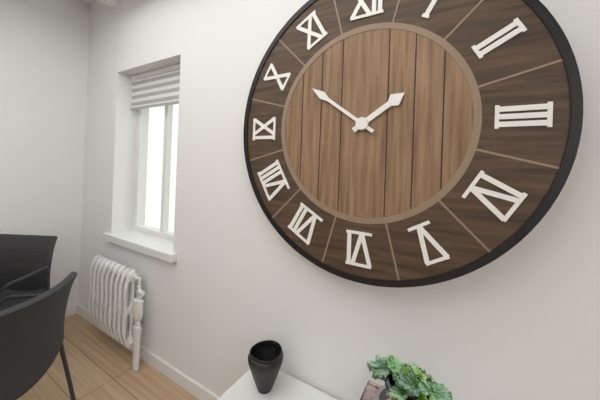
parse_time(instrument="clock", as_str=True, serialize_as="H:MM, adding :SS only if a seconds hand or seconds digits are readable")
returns 1:51
